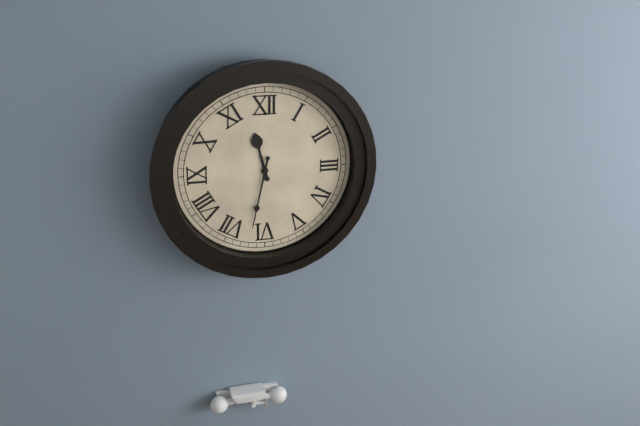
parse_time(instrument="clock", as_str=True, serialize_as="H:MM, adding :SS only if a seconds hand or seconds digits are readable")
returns 11:32
